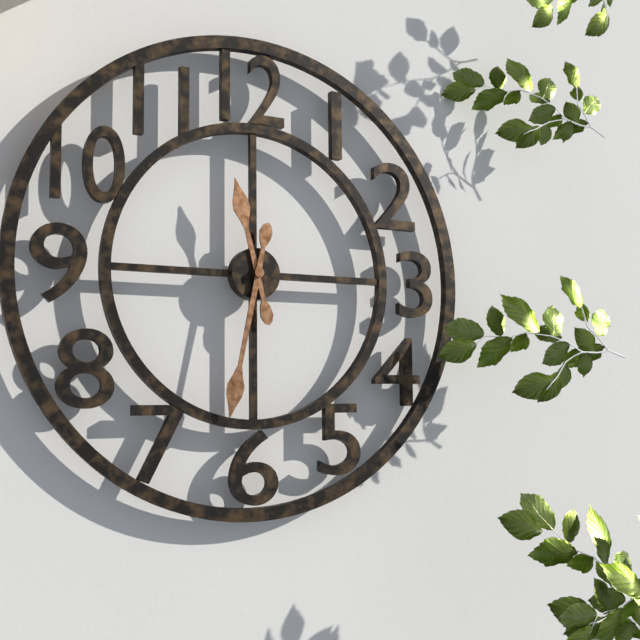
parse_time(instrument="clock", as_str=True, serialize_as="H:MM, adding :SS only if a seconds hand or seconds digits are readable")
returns 11:32
